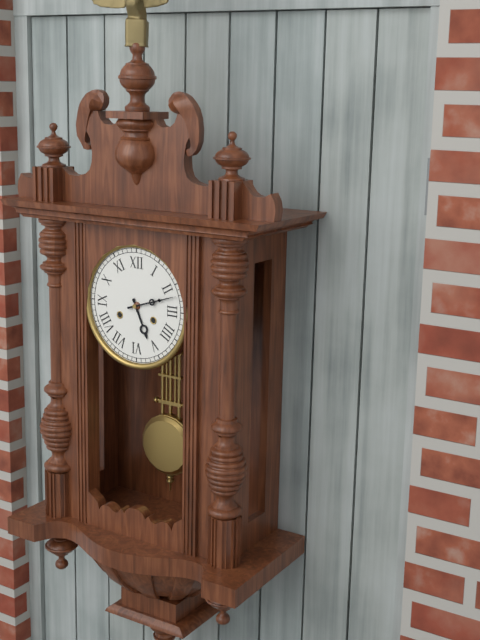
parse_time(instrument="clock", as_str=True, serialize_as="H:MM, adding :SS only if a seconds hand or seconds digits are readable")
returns 5:12
